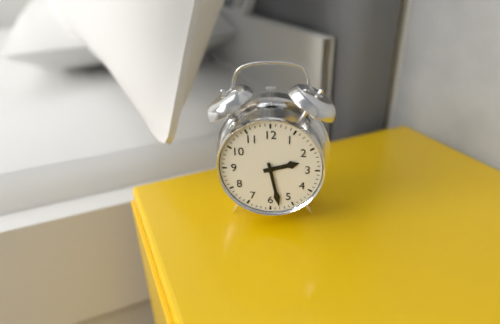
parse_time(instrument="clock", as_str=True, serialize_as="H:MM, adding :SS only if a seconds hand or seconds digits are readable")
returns 2:28
